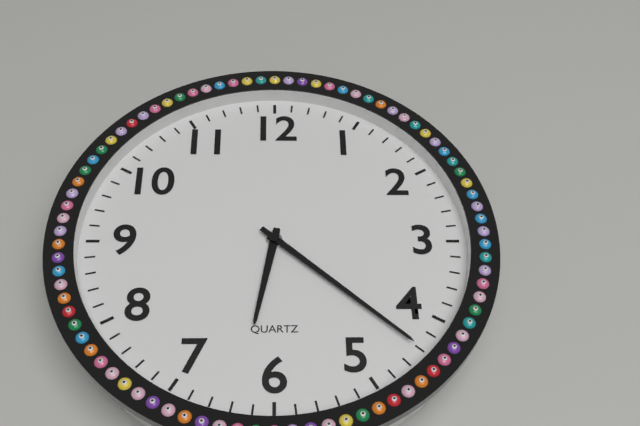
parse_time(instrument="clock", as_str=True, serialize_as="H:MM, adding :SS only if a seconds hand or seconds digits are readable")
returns 6:22
